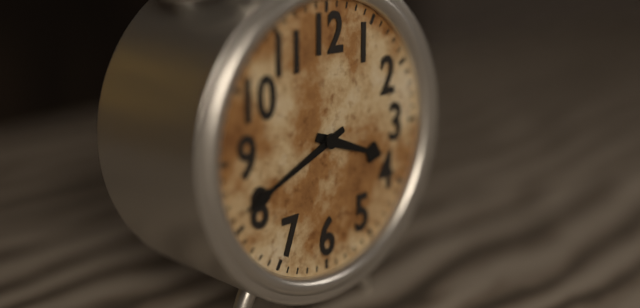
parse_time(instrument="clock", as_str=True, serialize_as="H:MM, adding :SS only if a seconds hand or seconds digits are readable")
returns 3:41
